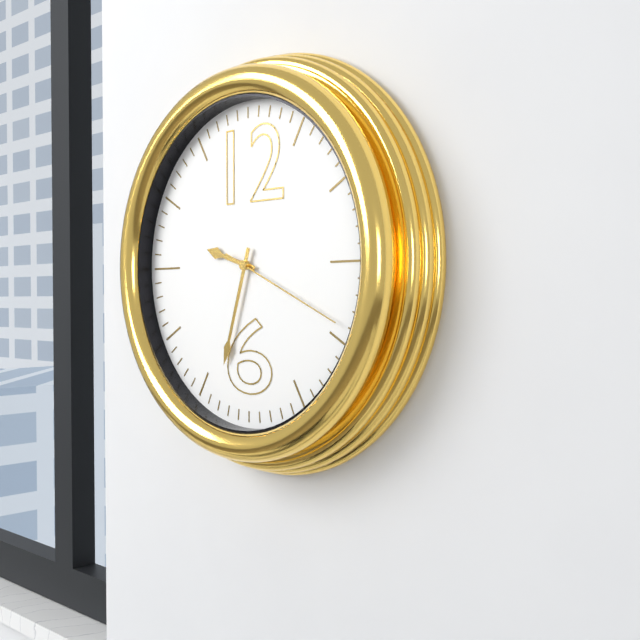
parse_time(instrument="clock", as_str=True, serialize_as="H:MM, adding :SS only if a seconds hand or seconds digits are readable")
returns 9:33:19
